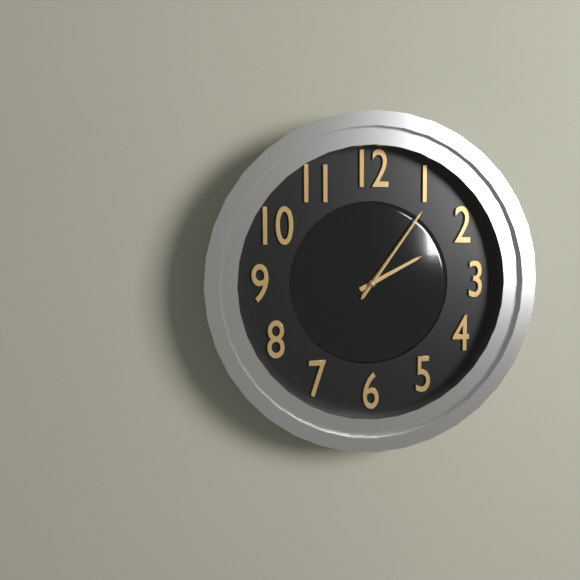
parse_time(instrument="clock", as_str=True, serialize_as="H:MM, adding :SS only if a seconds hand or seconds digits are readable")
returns 2:06:06
